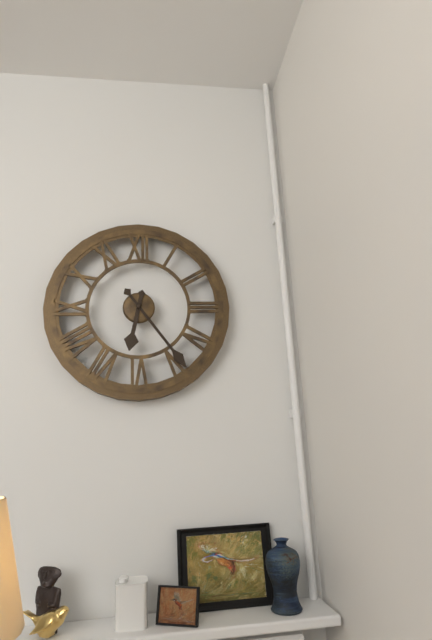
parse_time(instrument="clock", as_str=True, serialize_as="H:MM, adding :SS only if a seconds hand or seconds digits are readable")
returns 6:24
